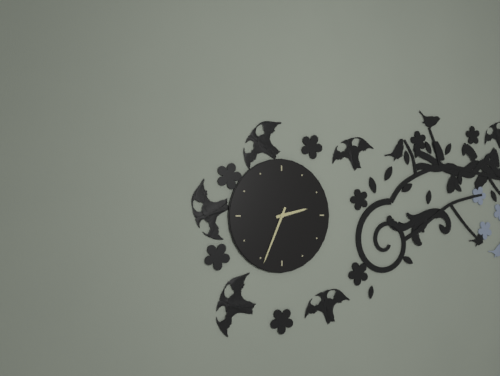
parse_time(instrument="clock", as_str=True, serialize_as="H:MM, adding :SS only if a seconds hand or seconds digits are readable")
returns 2:34
